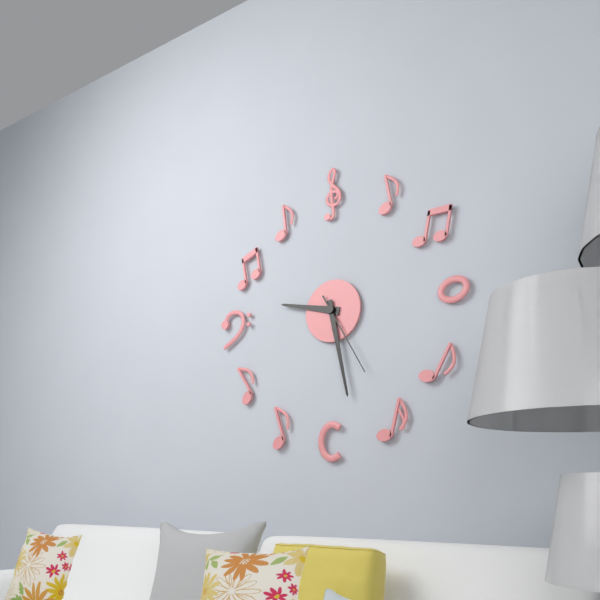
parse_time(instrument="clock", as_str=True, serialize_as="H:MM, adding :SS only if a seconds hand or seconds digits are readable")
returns 9:28:25
